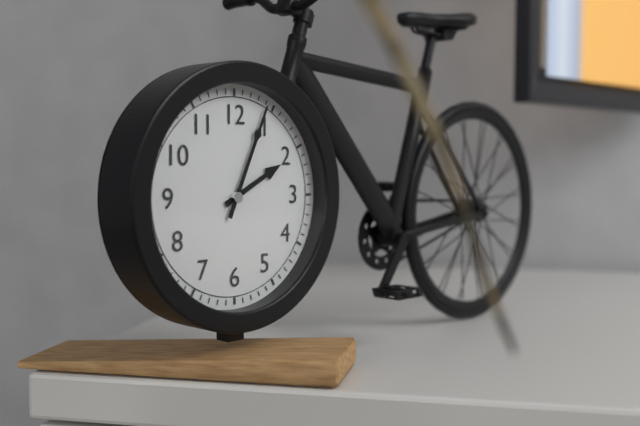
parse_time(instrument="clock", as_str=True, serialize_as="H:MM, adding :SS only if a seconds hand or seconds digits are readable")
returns 2:04
